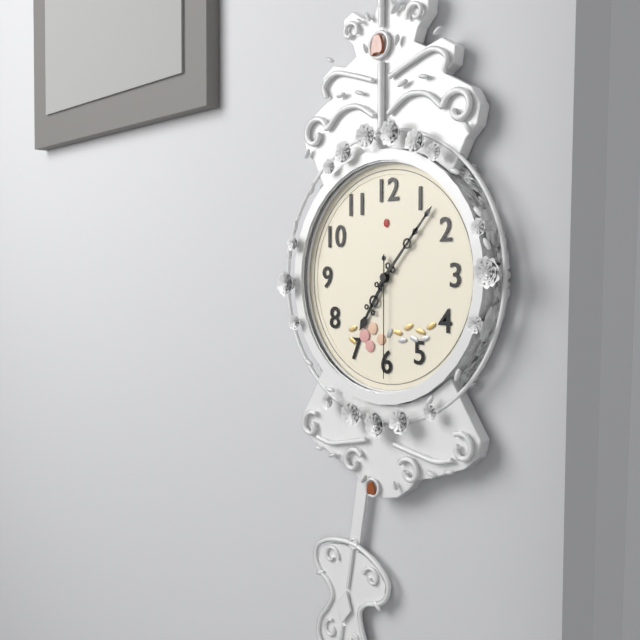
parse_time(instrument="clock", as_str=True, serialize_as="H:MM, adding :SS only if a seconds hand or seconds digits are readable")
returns 7:07:30
